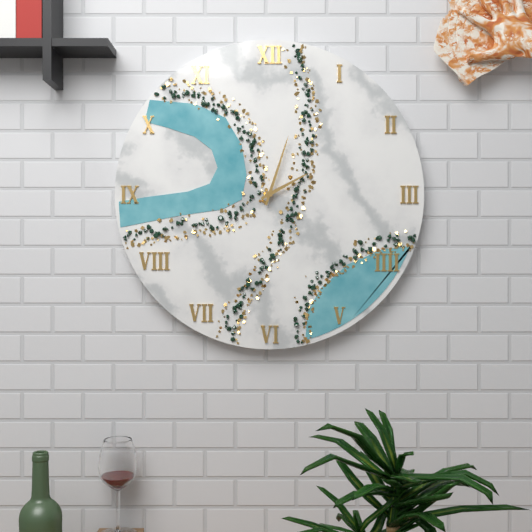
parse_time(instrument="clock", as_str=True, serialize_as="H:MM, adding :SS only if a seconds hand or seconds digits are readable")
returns 2:03
